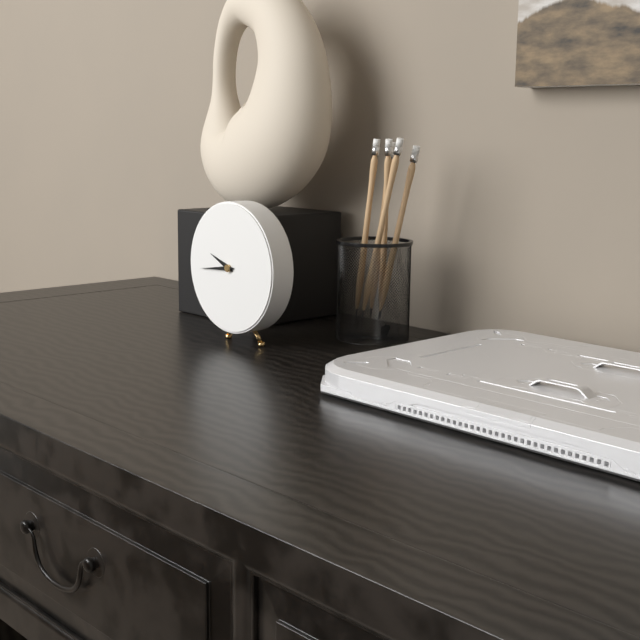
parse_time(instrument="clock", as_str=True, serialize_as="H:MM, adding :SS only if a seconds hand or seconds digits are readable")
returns 9:44
